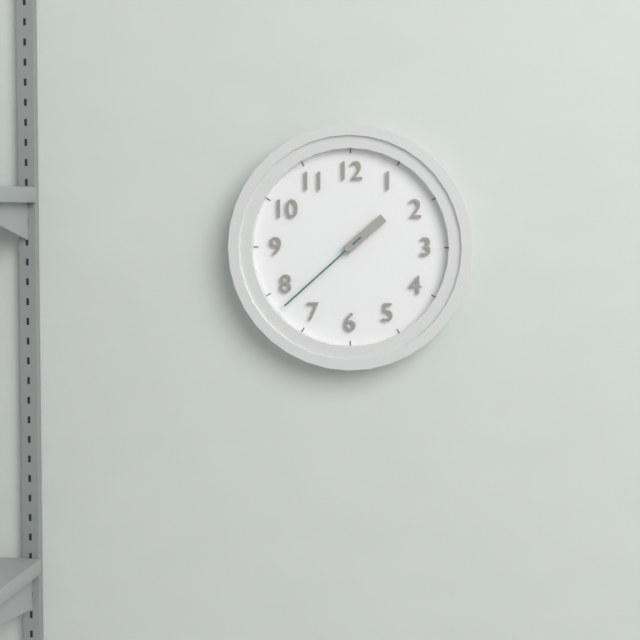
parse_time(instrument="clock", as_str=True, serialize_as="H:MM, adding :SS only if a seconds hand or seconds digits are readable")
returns 1:38
